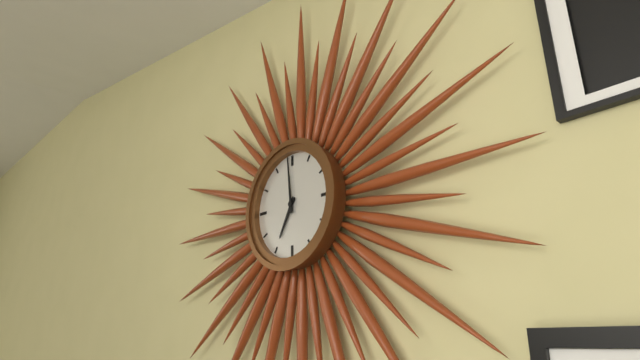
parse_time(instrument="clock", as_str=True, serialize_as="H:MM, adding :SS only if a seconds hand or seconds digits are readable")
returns 6:59
